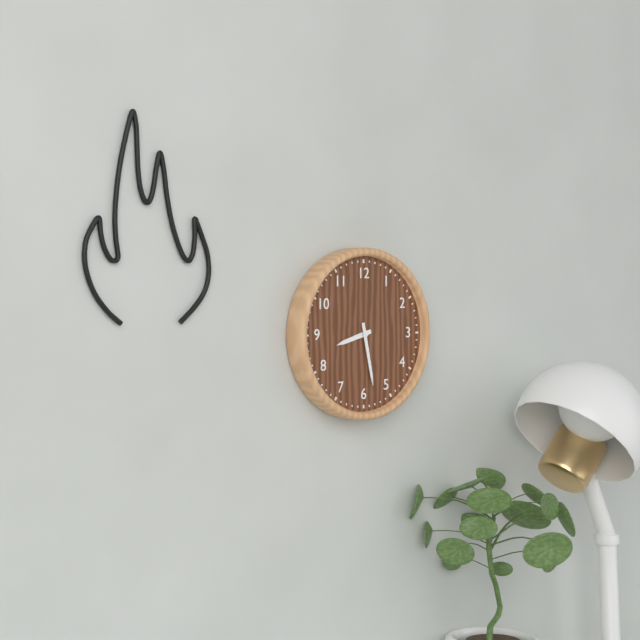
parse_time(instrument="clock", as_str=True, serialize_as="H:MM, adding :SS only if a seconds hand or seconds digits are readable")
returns 8:28
